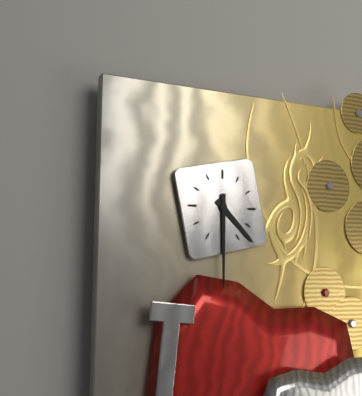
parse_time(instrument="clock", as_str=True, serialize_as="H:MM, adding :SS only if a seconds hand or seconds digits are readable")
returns 4:30
